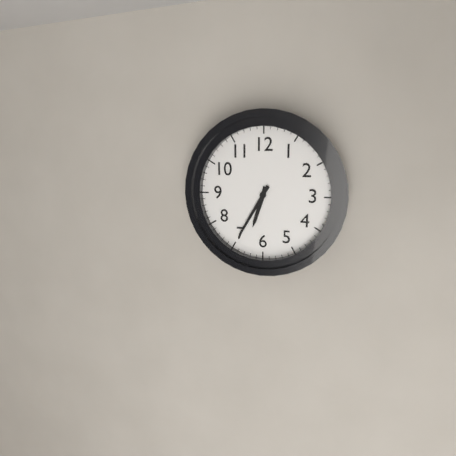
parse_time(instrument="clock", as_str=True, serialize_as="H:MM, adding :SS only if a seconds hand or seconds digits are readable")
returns 6:35
